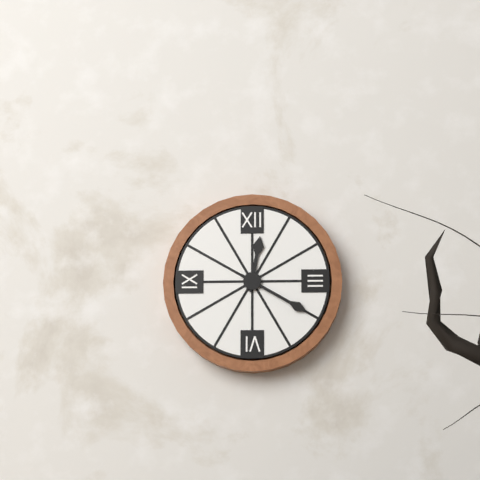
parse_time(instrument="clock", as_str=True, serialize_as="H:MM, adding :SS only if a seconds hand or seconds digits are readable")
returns 12:20
